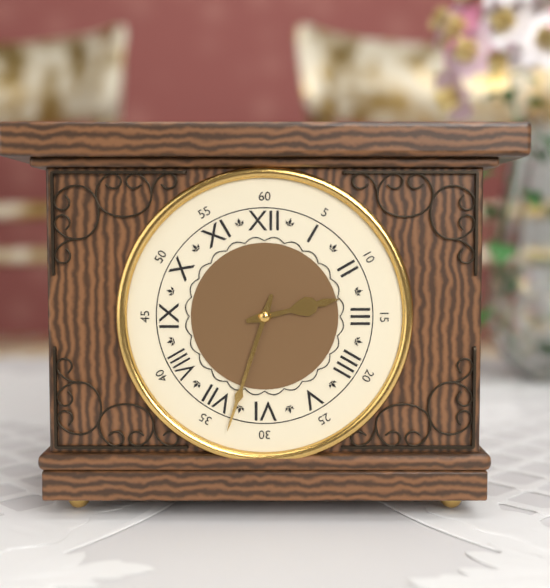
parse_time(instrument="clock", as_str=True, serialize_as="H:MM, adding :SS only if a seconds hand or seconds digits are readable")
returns 2:33
